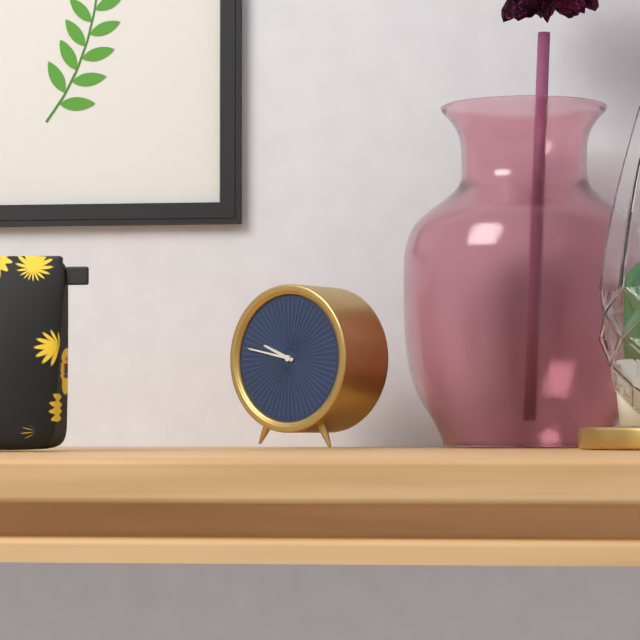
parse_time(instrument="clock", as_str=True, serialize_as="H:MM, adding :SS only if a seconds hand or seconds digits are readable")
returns 9:47
